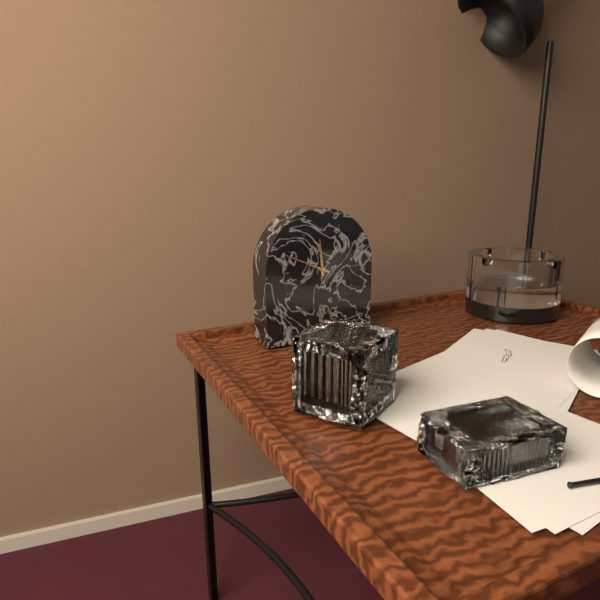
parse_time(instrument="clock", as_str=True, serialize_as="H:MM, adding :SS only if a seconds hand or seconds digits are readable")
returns 11:49
